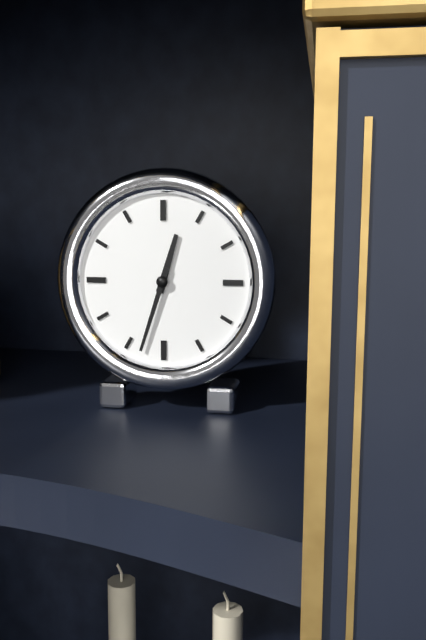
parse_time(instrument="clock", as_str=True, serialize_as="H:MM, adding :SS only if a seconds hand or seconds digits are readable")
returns 12:33
